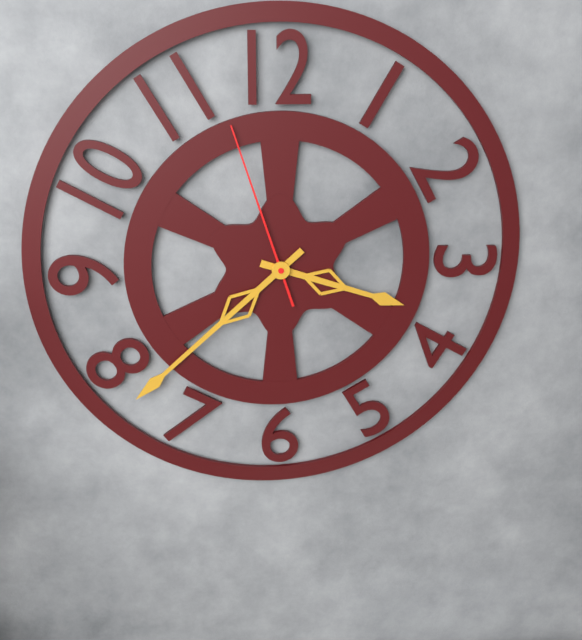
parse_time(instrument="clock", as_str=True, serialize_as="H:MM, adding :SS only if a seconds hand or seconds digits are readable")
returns 3:38:57
